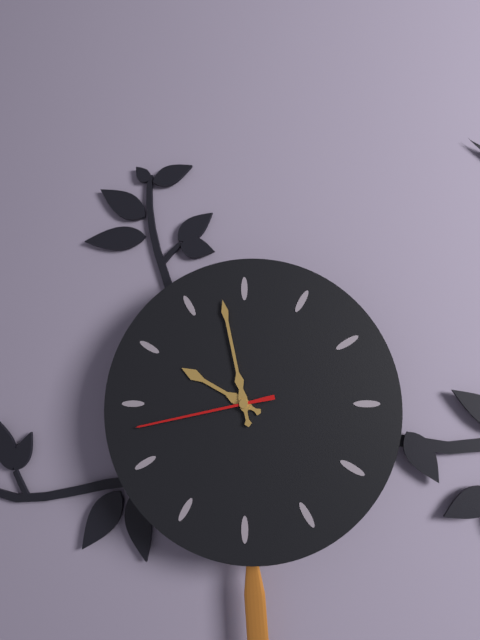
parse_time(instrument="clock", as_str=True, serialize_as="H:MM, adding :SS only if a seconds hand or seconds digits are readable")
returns 9:58:43
